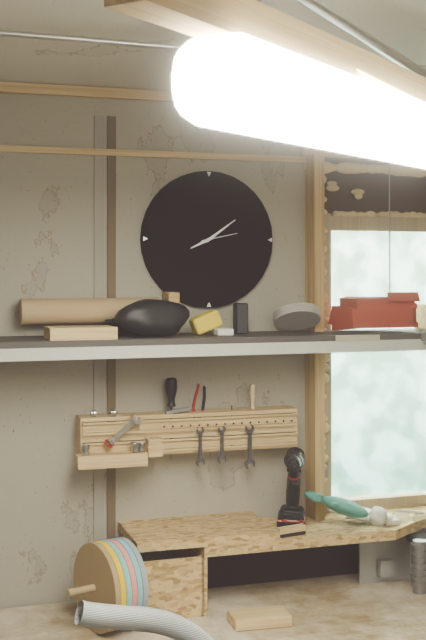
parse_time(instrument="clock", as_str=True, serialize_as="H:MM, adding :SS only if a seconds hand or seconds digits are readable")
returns 8:09
